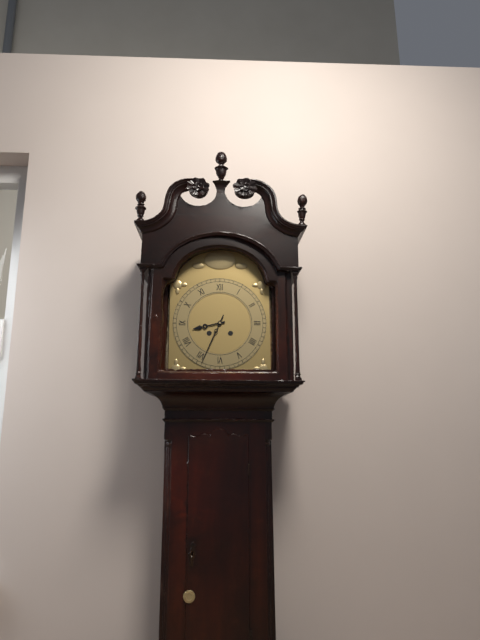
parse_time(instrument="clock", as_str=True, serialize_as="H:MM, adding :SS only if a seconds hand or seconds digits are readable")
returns 8:34
